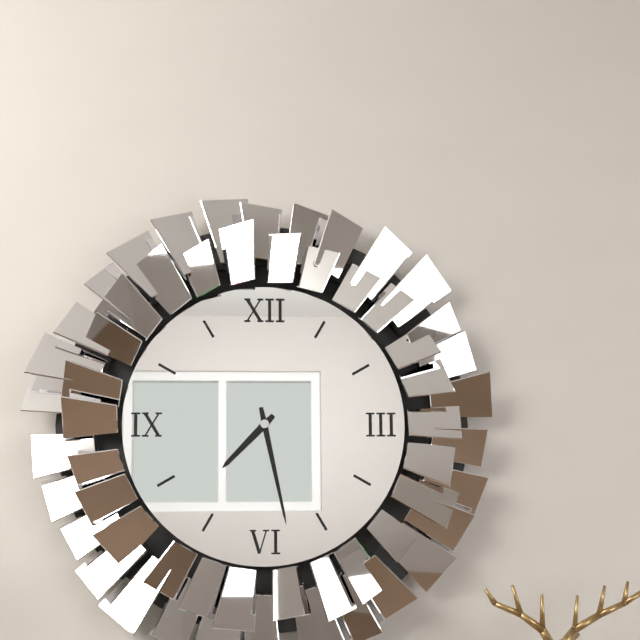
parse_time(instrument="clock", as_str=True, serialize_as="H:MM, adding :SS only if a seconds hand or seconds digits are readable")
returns 7:28
